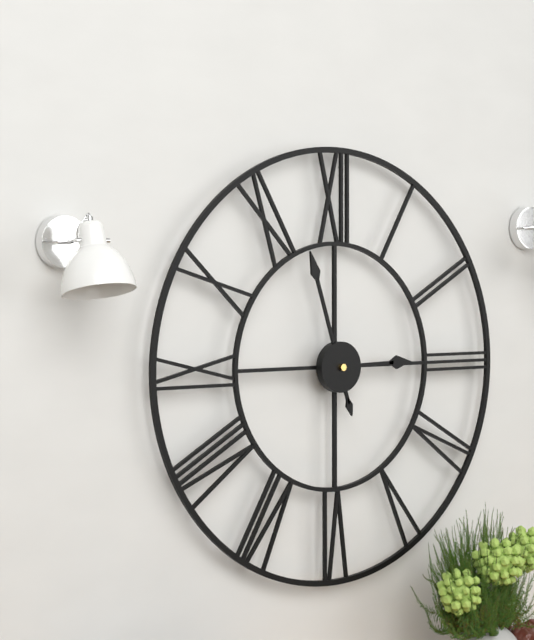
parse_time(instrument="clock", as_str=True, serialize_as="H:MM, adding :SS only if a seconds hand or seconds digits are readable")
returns 2:57
